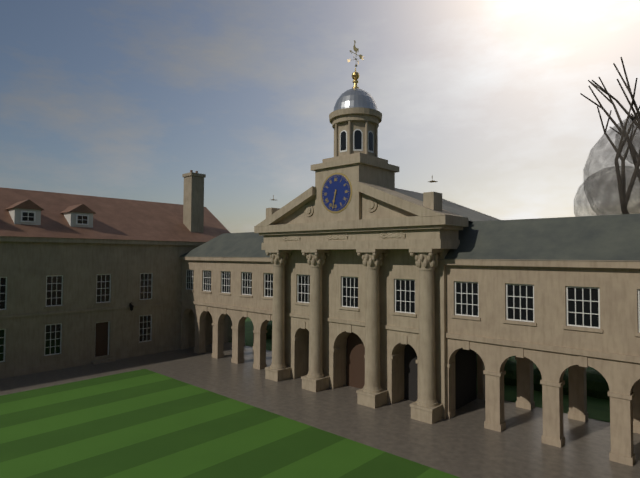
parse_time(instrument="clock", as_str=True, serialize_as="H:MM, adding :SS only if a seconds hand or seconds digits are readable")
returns 6:32
